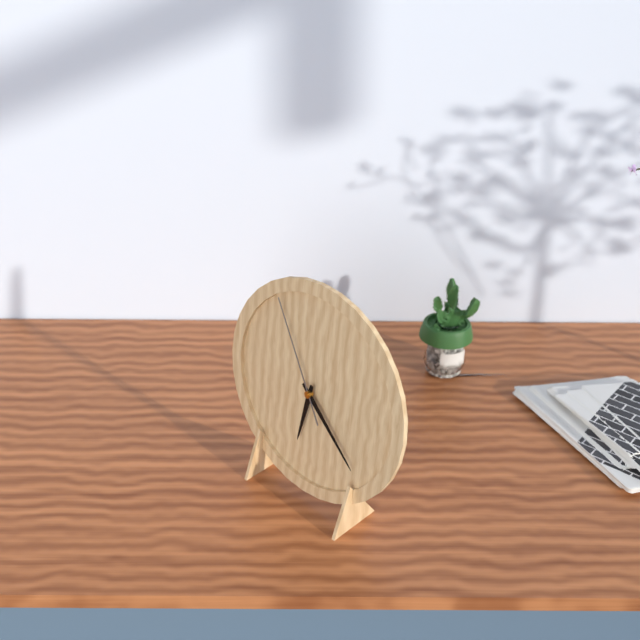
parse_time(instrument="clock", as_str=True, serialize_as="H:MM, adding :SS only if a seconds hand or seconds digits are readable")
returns 6:22:55
